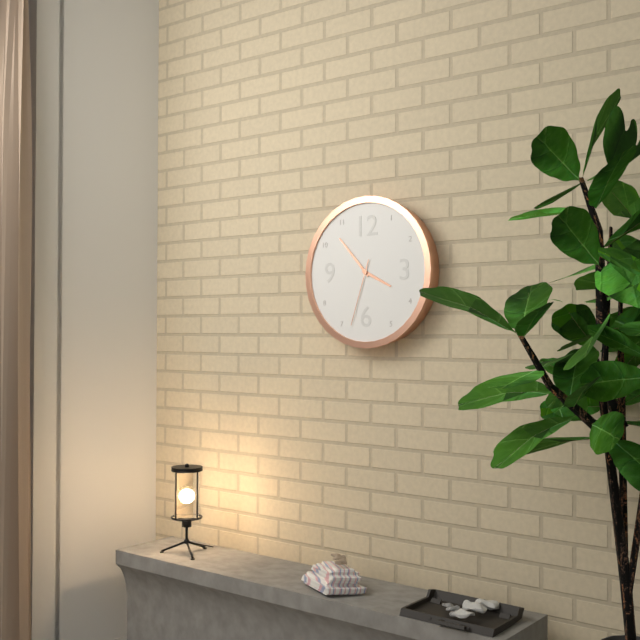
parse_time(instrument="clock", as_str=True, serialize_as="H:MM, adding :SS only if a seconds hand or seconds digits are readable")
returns 3:53:33
